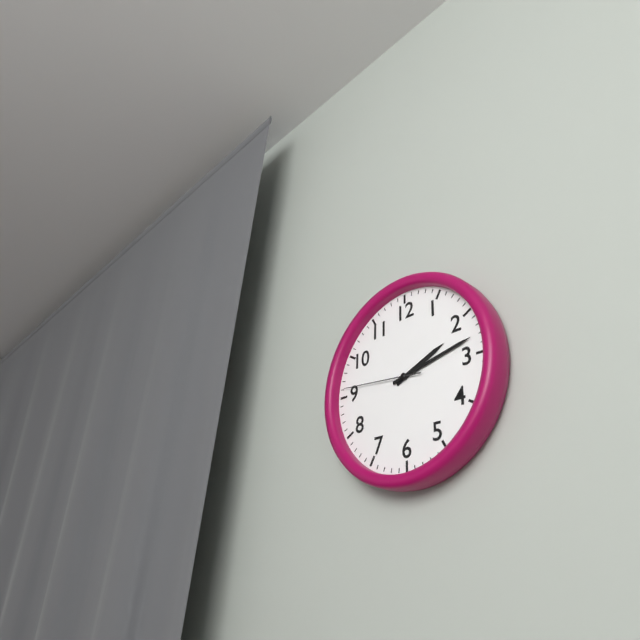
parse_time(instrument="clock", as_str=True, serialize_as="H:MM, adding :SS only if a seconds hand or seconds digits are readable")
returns 2:13:46
